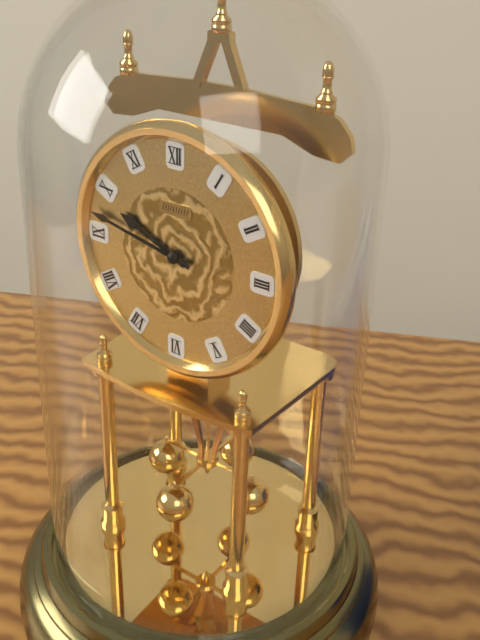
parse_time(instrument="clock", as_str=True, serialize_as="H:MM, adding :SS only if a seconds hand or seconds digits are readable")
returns 9:47
